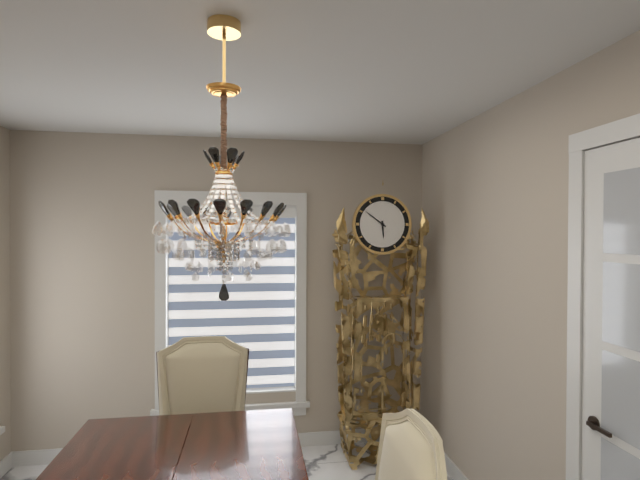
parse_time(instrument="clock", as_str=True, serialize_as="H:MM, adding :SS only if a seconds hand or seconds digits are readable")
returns 5:51
